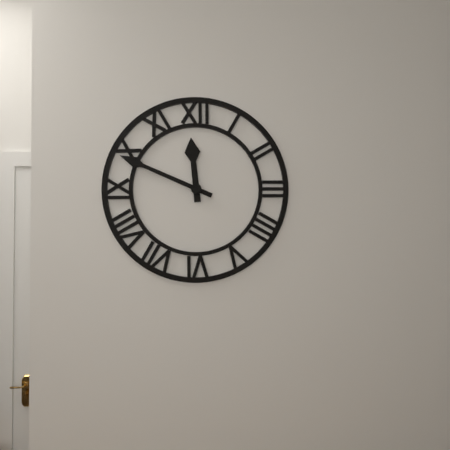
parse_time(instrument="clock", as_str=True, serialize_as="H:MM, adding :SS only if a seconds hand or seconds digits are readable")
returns 11:49
